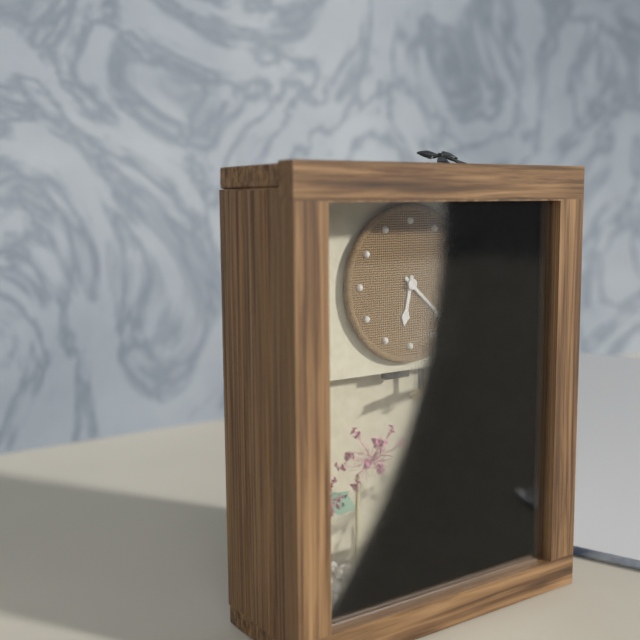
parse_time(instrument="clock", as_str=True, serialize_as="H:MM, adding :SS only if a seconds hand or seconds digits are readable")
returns 6:22
